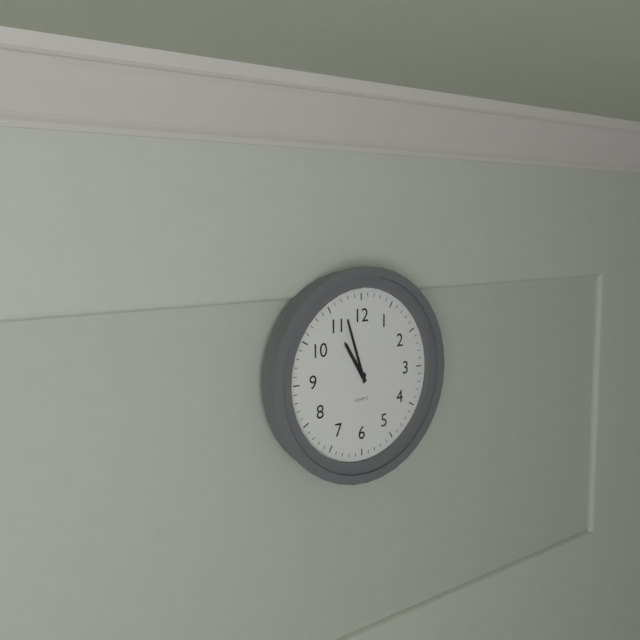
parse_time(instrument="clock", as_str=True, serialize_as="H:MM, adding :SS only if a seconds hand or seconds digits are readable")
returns 10:57
